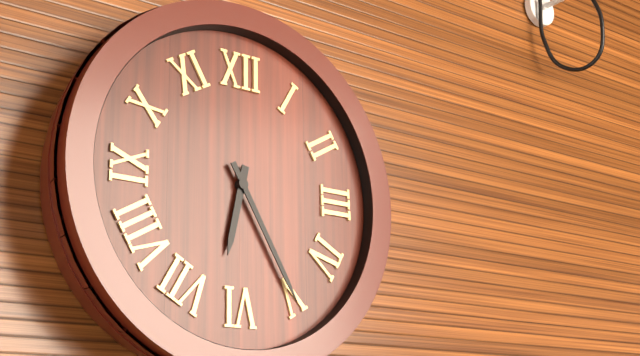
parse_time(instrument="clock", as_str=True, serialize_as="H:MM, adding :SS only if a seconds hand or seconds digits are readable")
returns 6:25
